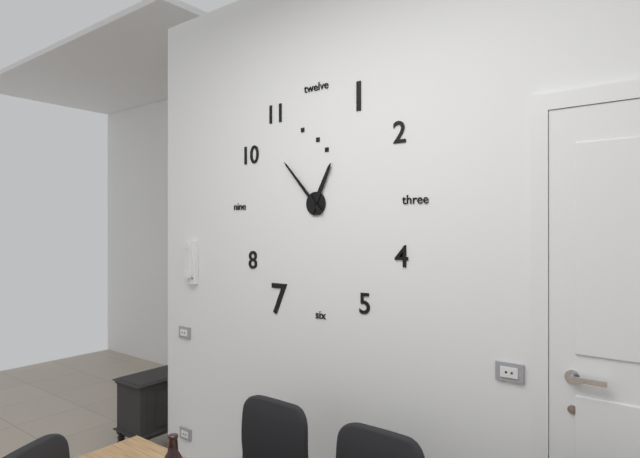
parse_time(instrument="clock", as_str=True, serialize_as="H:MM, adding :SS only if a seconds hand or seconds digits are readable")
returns 12:53
